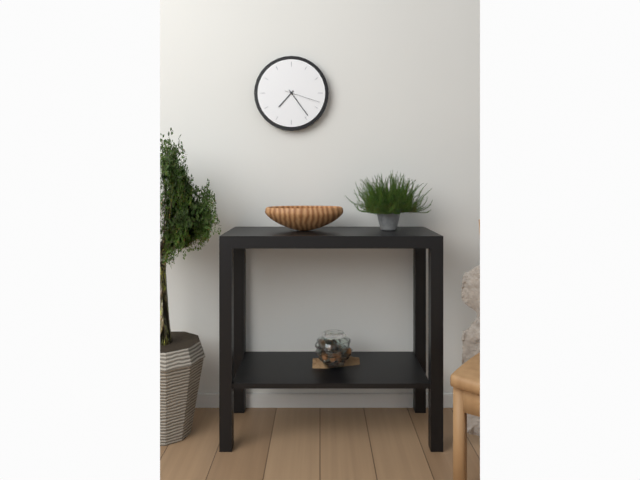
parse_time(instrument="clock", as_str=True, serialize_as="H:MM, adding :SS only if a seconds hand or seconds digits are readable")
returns 7:24
